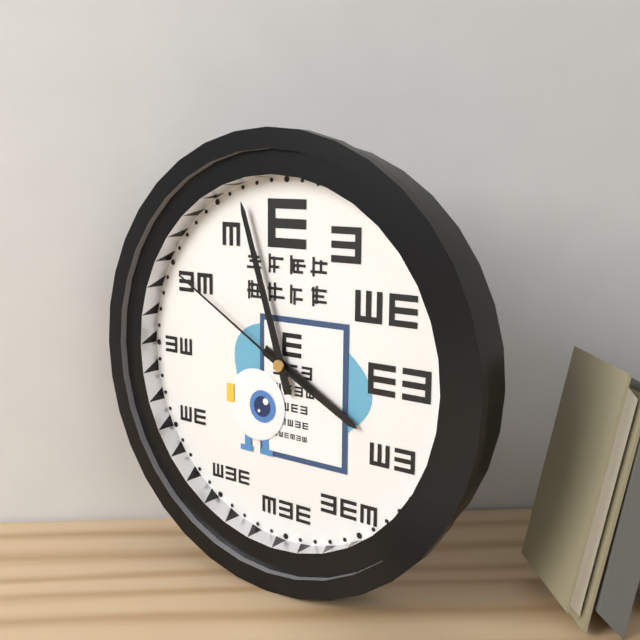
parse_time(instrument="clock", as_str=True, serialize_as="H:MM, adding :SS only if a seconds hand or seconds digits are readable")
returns 3:57:50
